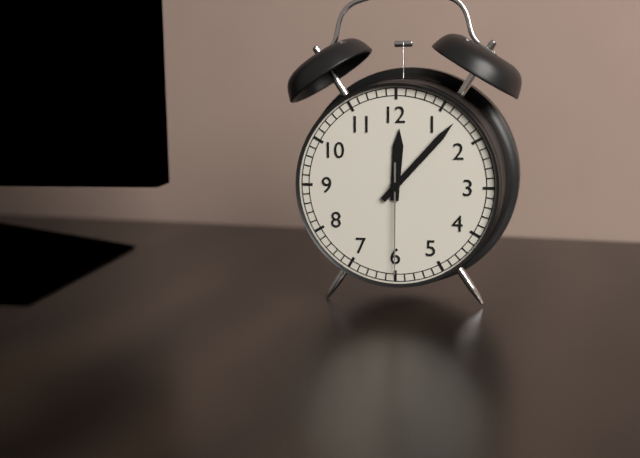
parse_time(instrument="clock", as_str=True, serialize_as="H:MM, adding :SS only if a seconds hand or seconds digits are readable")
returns 12:07:30
